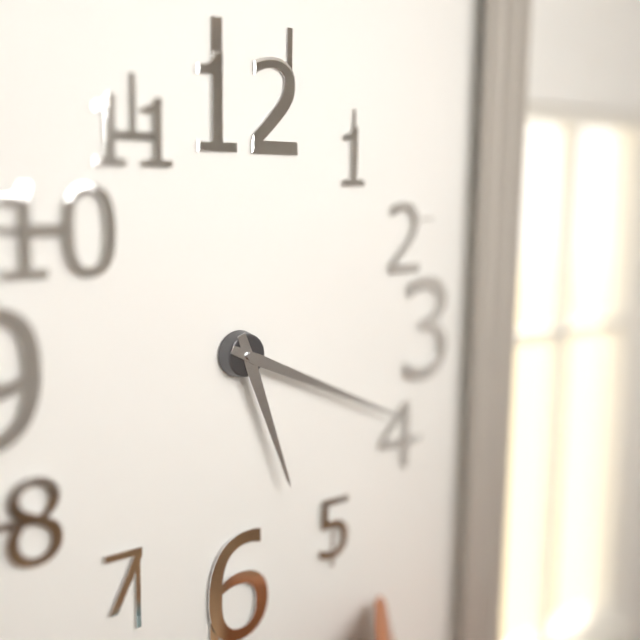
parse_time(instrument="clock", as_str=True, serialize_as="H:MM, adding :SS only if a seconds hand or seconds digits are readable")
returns 5:19
